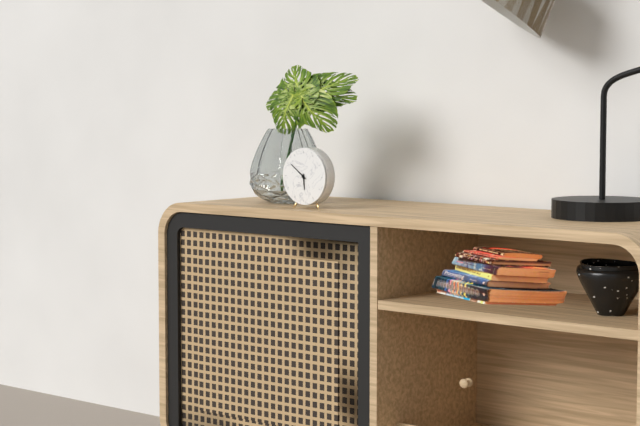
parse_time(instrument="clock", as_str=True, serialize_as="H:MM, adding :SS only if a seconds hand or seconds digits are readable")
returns 5:51
